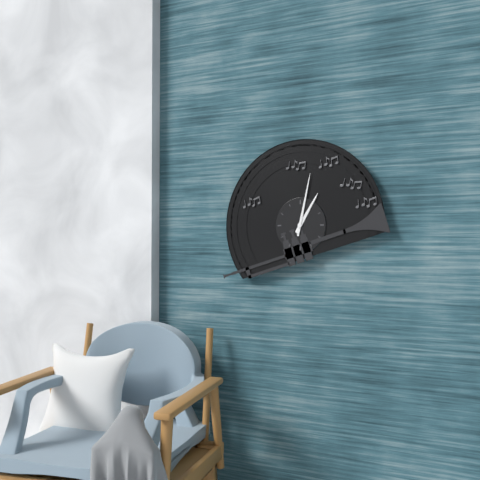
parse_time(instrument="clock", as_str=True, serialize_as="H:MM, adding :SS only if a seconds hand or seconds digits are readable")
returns 1:02
